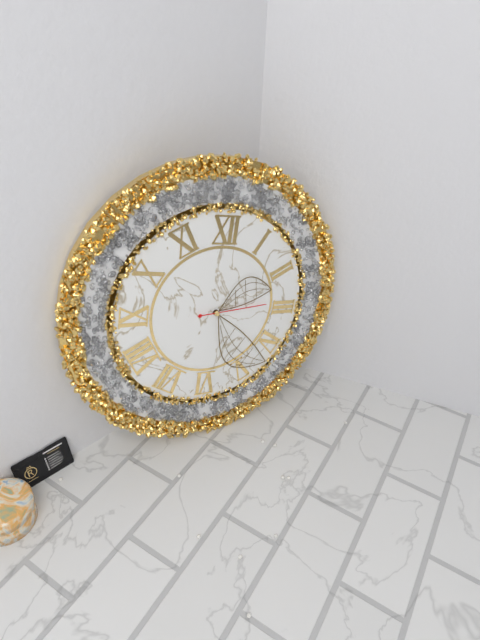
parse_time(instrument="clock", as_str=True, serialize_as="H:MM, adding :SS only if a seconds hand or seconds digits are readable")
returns 2:22:14
